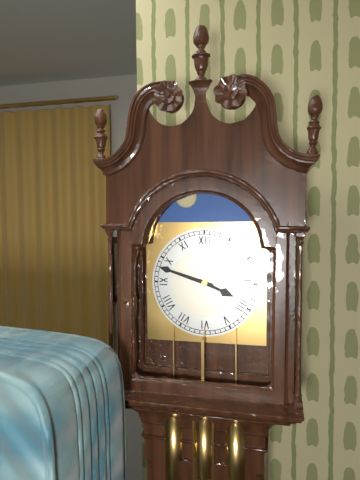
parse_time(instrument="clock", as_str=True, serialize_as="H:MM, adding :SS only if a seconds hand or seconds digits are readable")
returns 3:48
